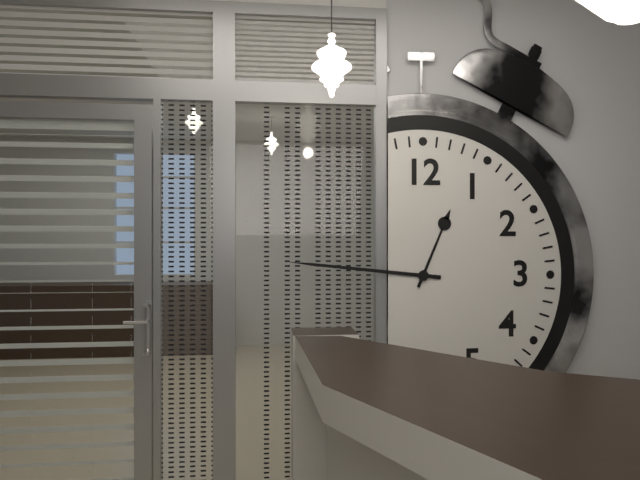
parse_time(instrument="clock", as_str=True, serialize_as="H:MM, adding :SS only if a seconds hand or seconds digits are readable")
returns 12:46
